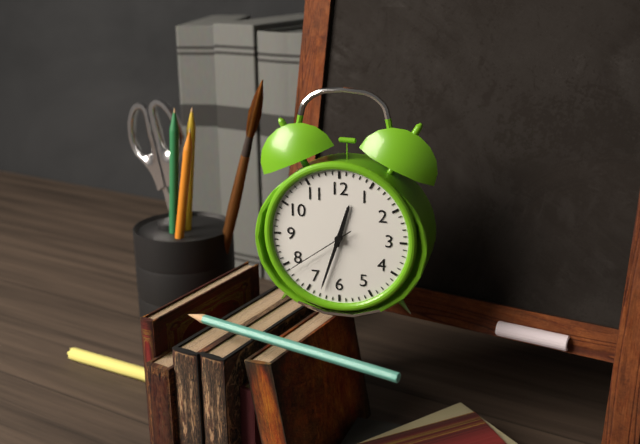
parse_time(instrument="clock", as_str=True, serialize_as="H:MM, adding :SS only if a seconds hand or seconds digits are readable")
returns 12:33:39
